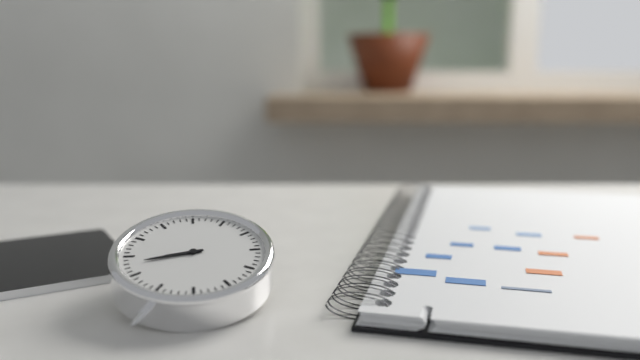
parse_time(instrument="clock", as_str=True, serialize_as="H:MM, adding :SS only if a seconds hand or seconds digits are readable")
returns 8:43
